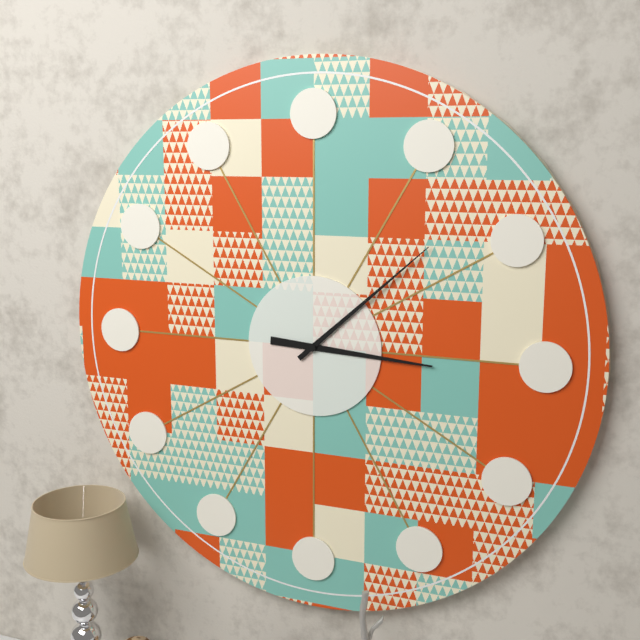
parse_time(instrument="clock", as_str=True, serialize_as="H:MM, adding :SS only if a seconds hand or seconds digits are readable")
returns 3:08
